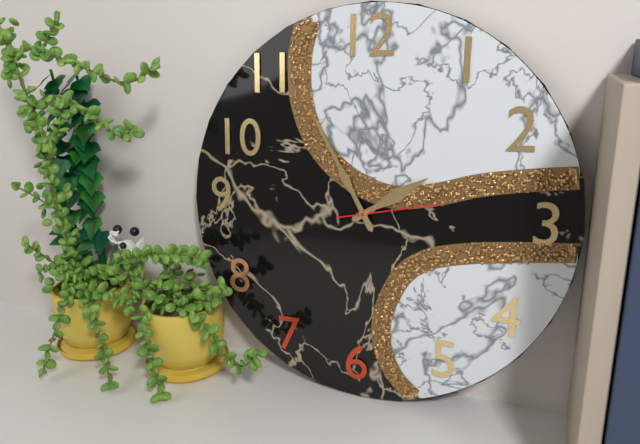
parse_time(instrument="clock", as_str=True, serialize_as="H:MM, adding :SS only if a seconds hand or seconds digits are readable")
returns 1:55:13
